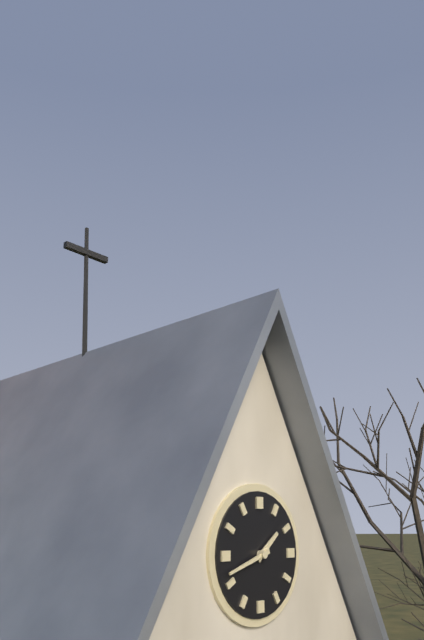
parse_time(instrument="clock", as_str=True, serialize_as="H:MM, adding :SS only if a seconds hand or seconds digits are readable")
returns 1:42
